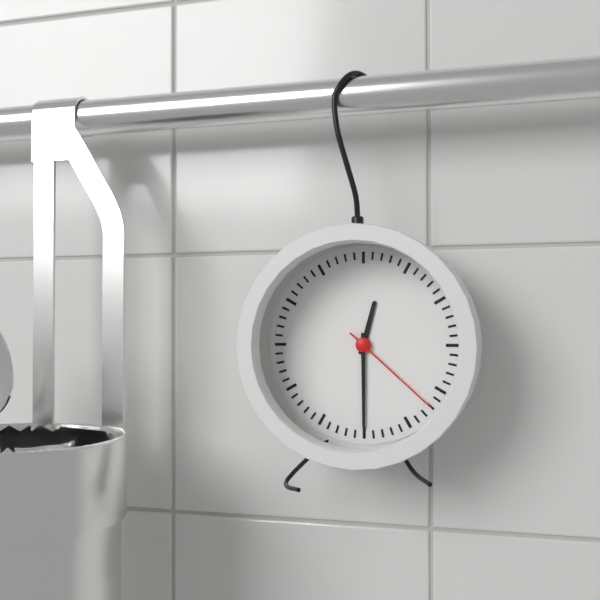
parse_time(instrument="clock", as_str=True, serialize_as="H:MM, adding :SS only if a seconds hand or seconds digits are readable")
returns 12:30:22
